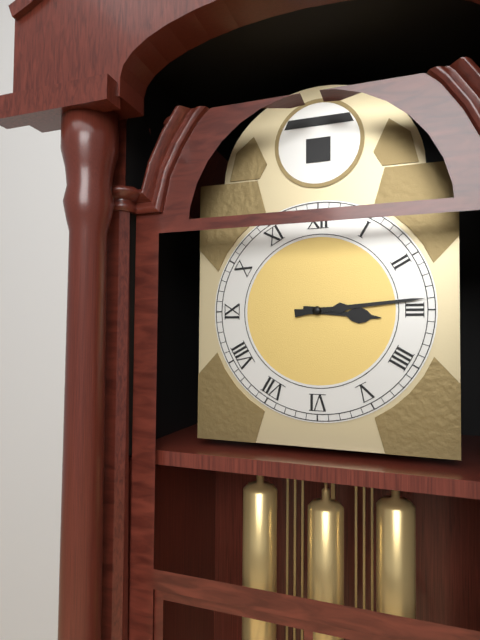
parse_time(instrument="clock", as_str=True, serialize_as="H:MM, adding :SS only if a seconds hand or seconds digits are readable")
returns 3:14
